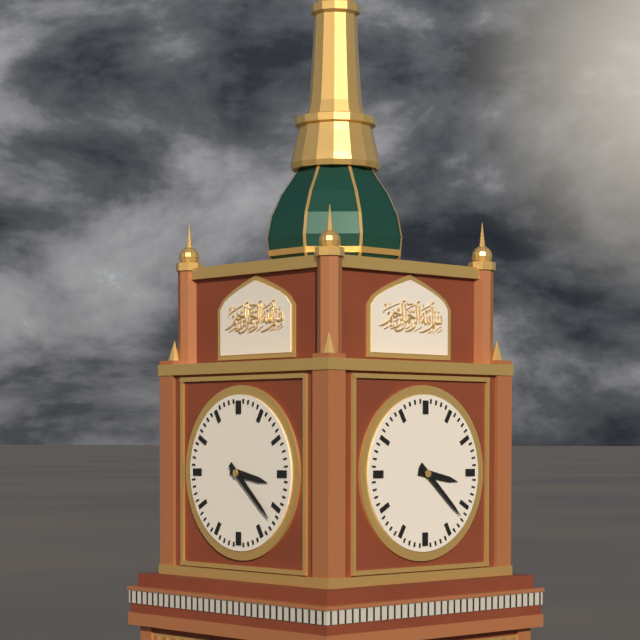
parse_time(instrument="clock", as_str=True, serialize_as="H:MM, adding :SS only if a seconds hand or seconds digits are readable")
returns 3:22
